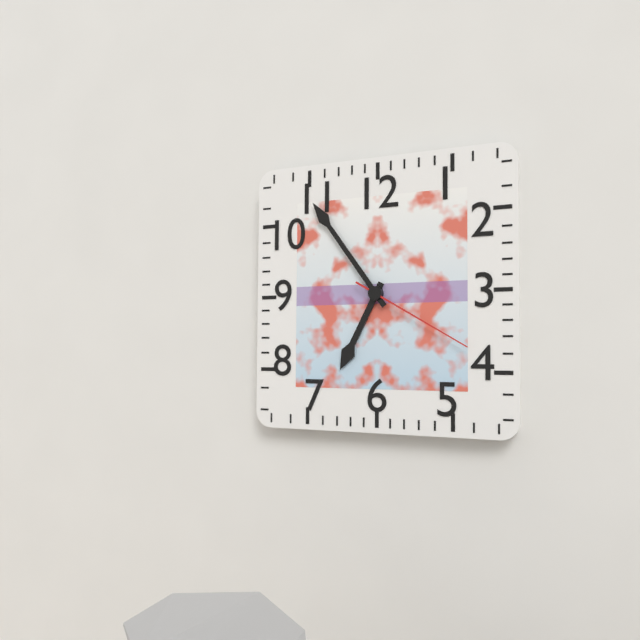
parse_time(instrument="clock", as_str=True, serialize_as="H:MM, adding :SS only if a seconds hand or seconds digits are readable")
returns 6:54:20
